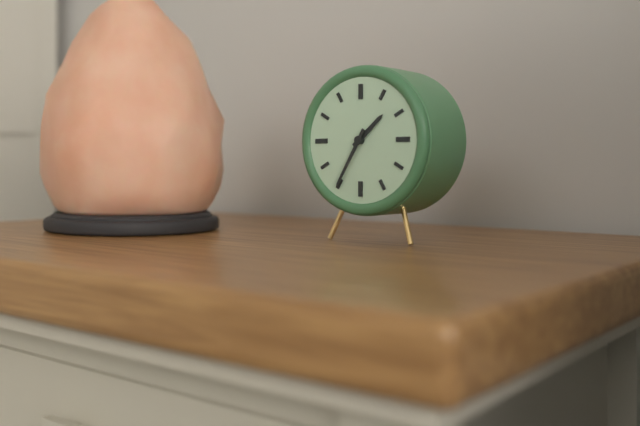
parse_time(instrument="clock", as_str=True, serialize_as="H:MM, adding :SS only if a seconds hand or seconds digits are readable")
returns 1:35
